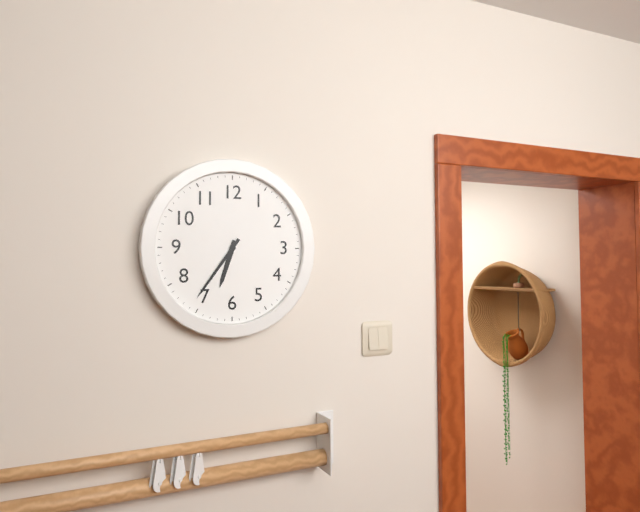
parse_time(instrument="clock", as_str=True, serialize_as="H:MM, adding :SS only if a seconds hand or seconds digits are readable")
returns 6:36
